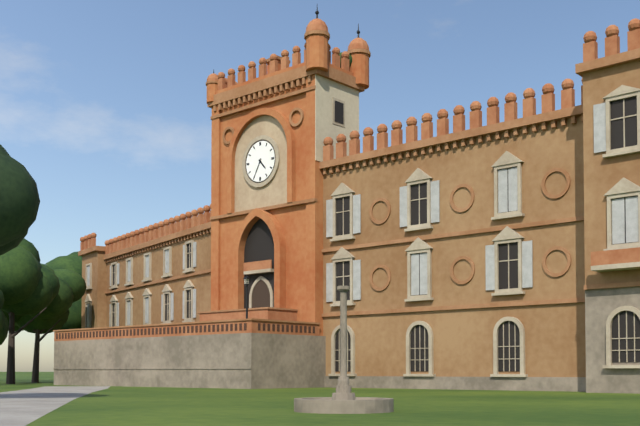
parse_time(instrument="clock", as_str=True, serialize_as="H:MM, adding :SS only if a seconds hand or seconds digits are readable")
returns 4:35
